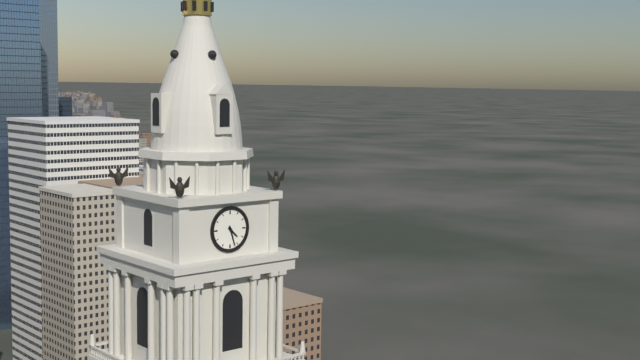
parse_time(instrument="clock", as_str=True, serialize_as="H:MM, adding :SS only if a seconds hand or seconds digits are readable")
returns 4:27
